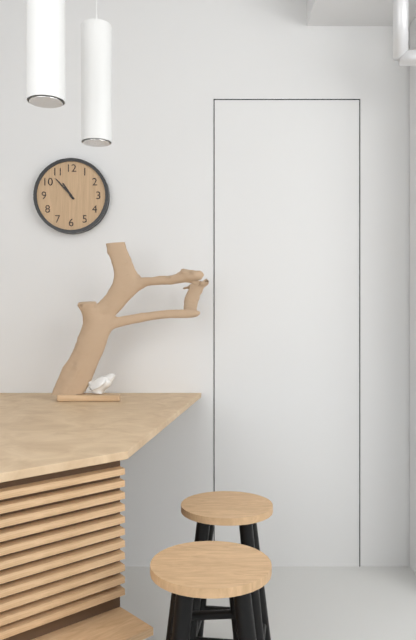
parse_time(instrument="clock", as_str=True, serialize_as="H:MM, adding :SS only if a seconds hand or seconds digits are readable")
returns 10:53
